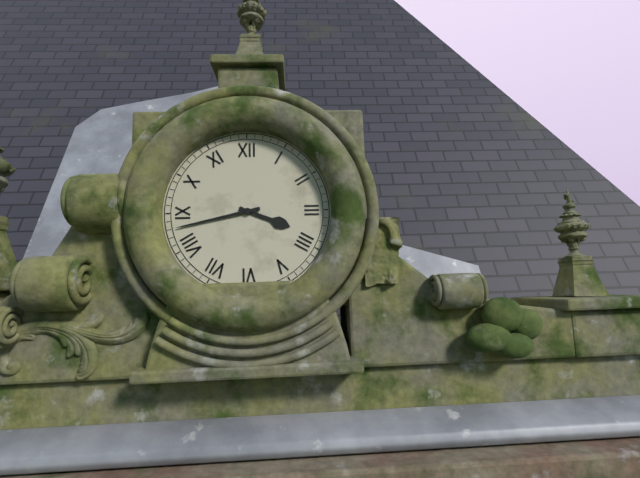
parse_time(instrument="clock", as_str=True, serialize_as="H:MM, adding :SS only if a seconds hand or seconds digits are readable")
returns 3:43
